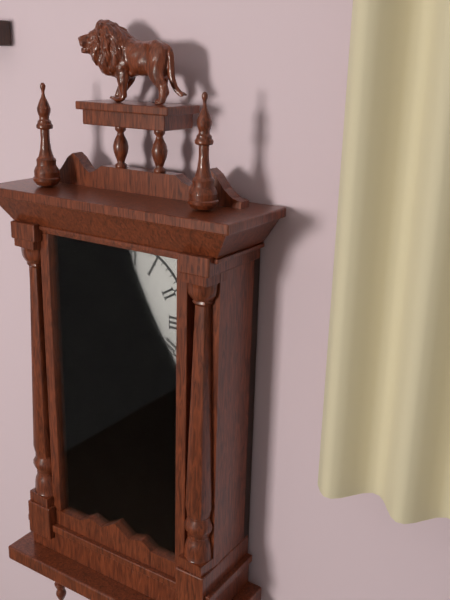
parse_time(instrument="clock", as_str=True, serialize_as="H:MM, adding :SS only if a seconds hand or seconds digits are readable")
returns 8:00
